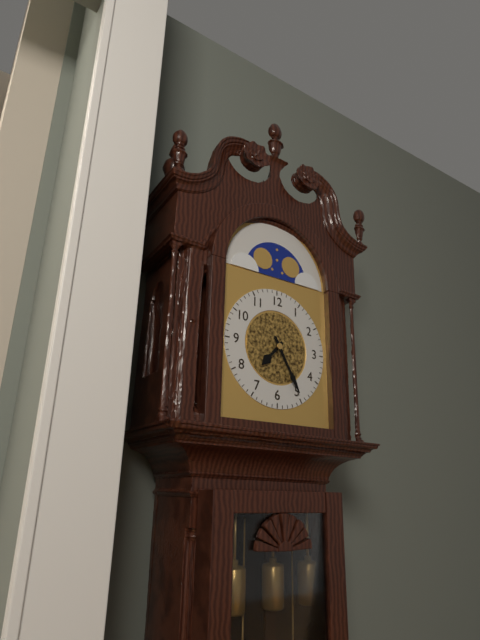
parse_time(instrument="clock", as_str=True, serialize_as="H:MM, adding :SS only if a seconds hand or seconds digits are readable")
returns 7:25
